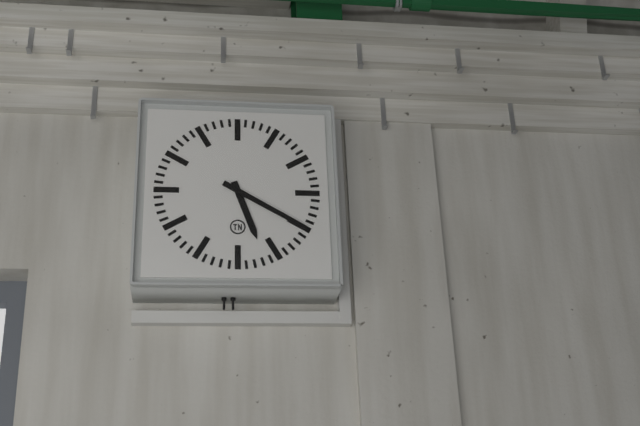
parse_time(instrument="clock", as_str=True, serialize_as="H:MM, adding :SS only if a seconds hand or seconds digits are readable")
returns 5:20
